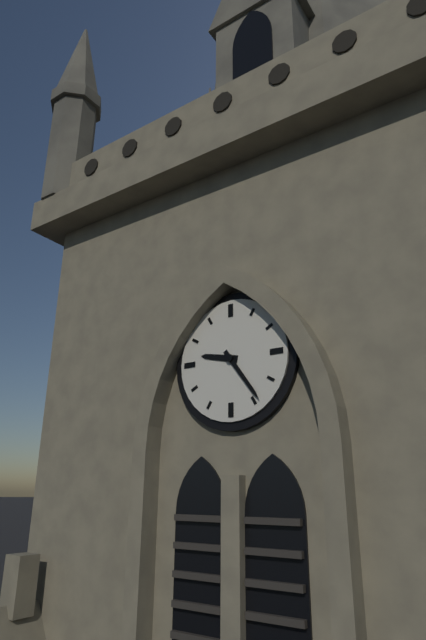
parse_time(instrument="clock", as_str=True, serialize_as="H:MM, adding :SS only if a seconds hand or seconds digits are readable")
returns 9:24
